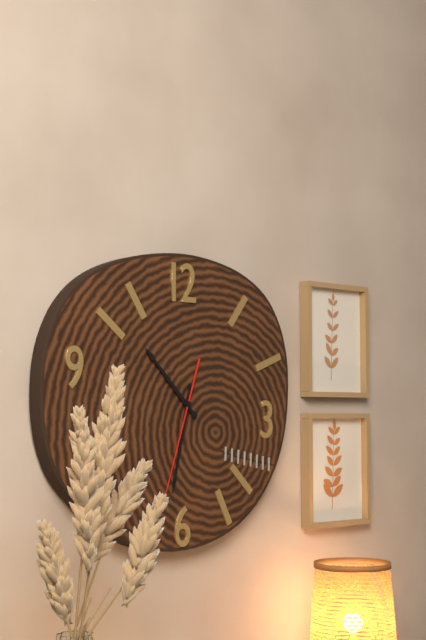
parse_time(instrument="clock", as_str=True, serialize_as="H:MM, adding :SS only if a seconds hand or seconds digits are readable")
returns 10:32:33
